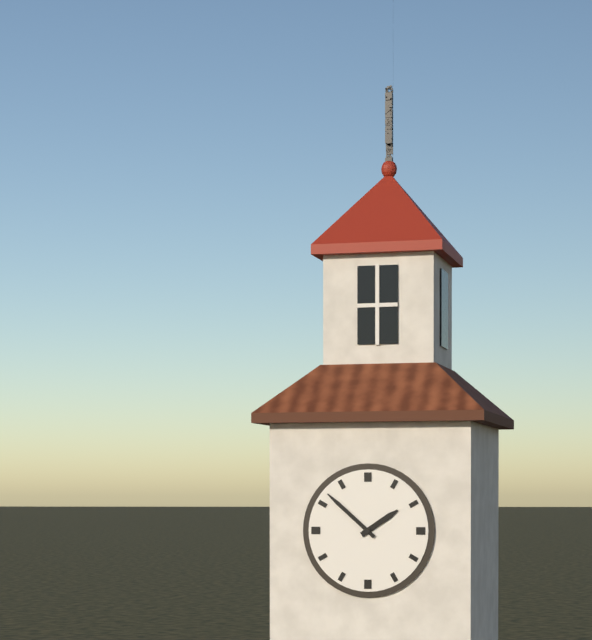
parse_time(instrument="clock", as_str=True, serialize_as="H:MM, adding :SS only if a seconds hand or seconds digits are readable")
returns 1:52
